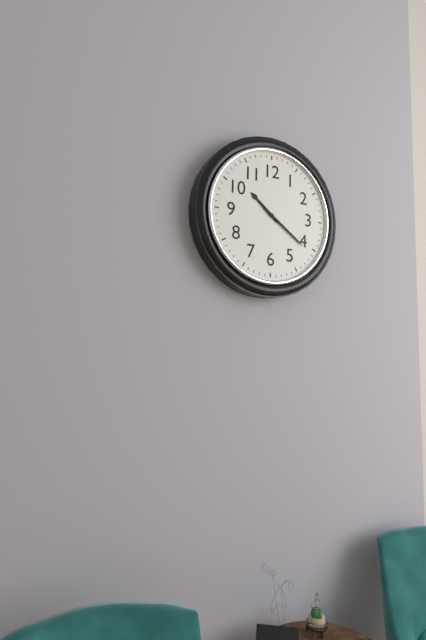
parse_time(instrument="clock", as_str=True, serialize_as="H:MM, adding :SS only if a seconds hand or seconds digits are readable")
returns 10:21
